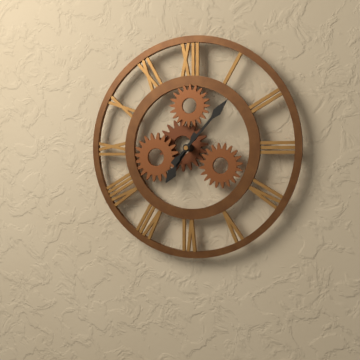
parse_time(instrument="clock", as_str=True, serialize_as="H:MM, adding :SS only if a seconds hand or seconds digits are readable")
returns 7:07
